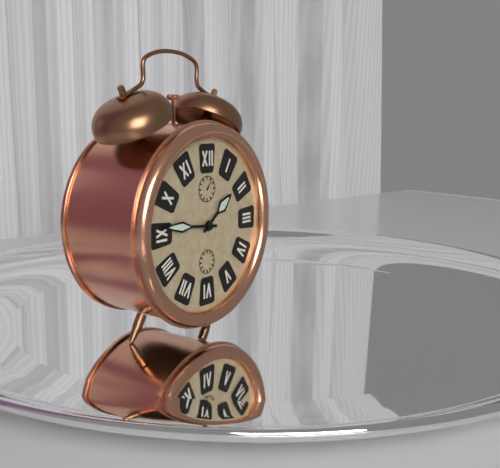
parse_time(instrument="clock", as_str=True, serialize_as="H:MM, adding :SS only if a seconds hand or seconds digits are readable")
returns 1:46
